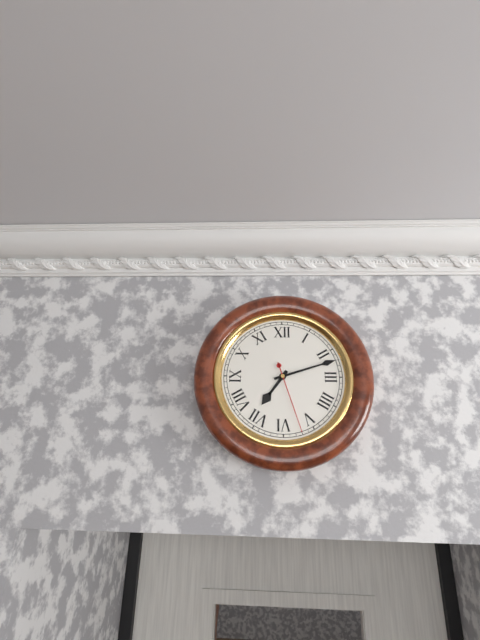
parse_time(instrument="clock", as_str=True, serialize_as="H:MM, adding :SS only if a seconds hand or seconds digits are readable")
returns 7:12:27
